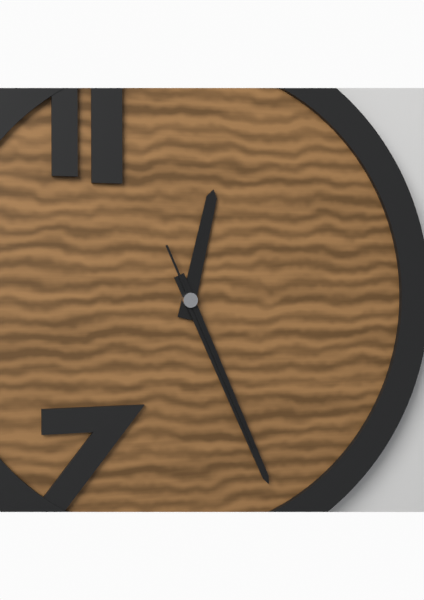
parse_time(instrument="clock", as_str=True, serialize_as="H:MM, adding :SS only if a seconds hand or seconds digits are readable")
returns 12:26:26
